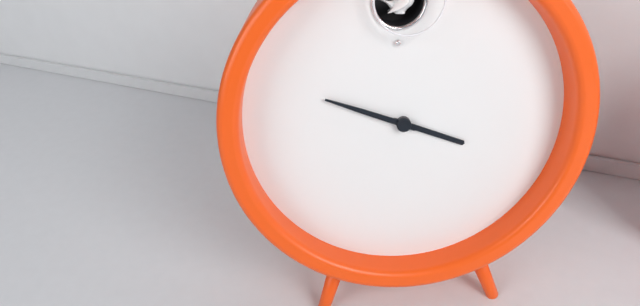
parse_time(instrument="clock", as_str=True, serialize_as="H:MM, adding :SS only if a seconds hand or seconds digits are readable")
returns 3:49
